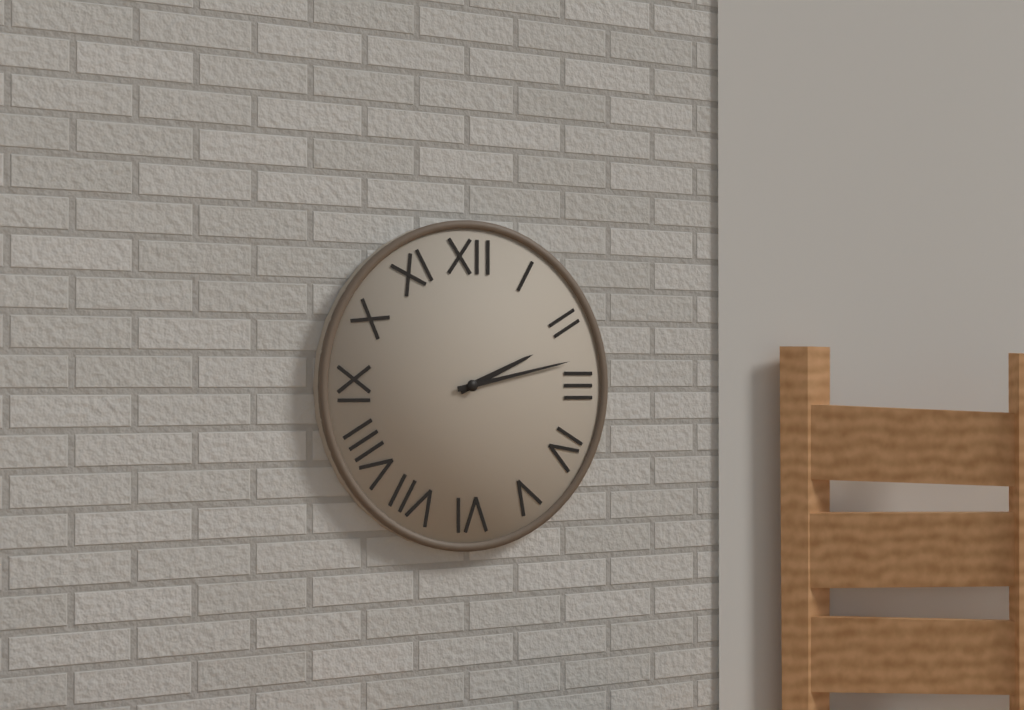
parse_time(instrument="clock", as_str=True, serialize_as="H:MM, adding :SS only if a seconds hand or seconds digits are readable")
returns 2:13
